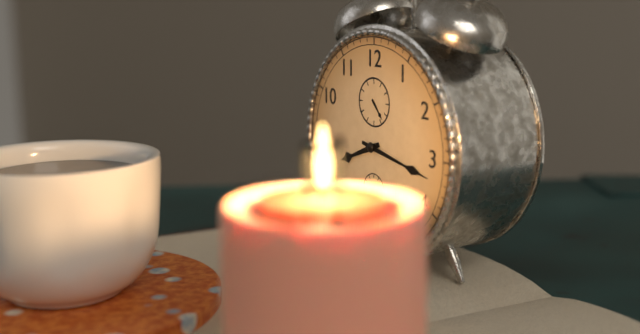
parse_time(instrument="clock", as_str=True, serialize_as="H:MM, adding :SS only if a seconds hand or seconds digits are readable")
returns 8:17
